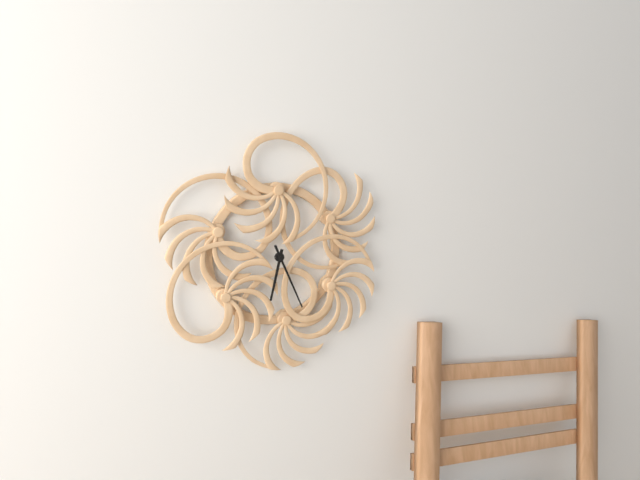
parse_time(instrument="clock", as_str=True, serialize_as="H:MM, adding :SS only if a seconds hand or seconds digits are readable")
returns 6:26
